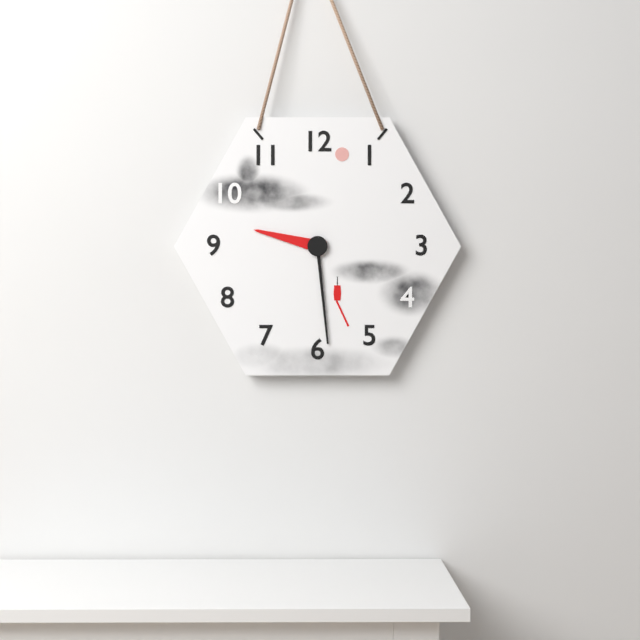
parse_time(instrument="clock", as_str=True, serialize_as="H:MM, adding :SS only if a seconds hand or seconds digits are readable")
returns 9:29
